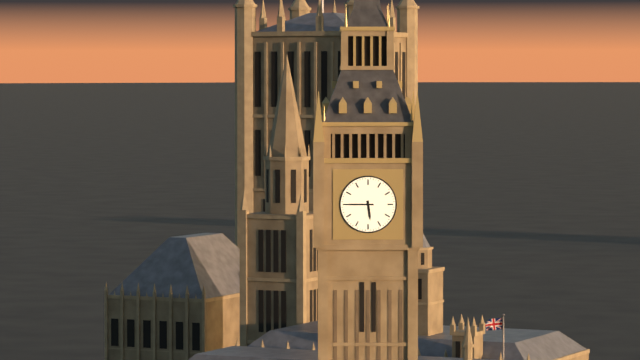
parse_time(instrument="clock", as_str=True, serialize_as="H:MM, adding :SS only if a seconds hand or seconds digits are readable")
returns 5:45
